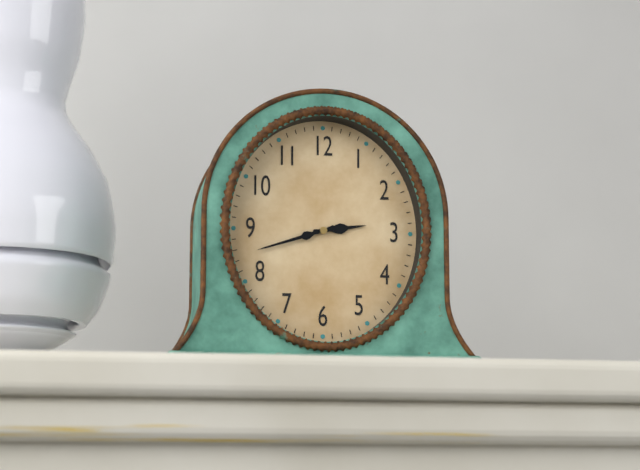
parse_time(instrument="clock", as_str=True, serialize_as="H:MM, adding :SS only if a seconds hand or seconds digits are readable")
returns 2:42
